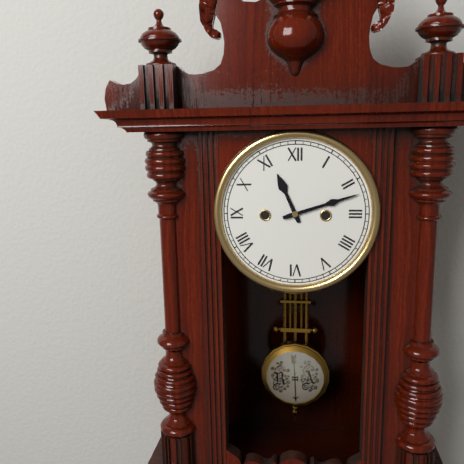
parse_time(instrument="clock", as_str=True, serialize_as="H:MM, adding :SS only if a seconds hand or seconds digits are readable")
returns 11:12
